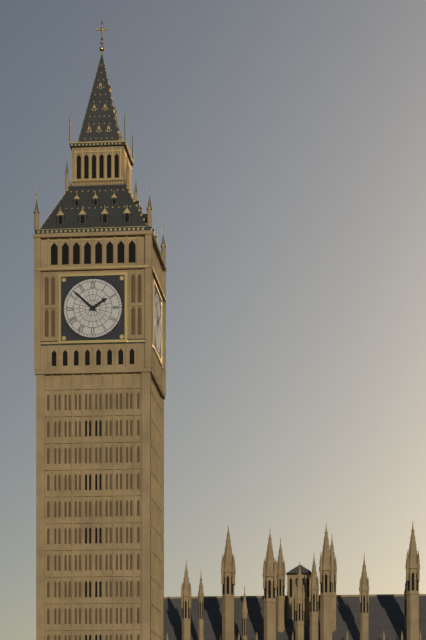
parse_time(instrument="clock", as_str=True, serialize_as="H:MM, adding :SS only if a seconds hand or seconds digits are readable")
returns 1:52
